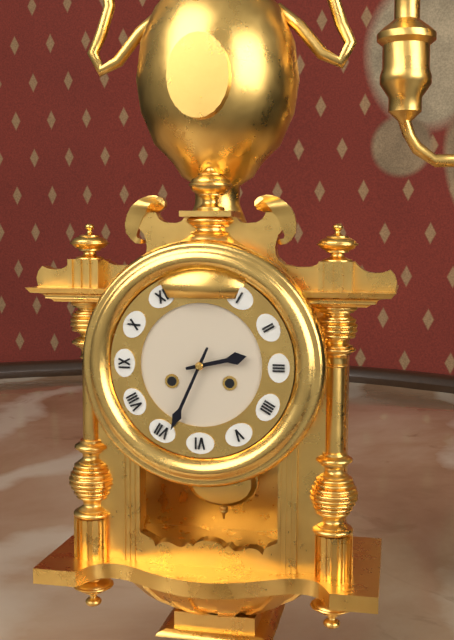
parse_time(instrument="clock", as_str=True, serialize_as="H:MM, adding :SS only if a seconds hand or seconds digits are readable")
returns 2:34
